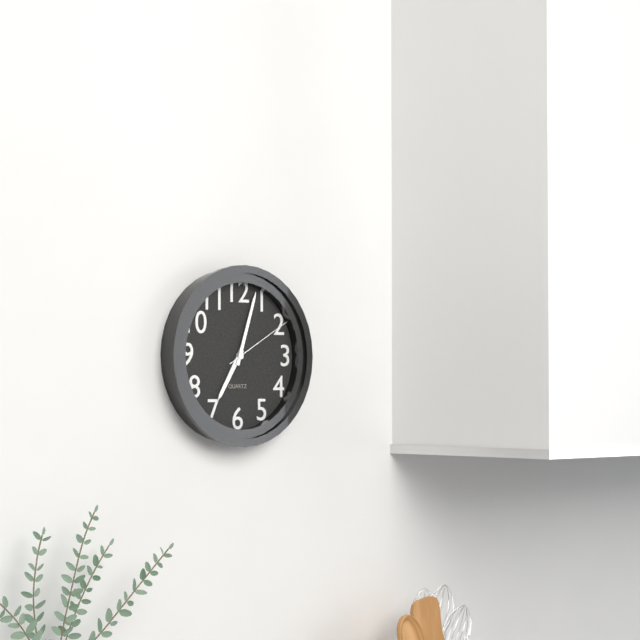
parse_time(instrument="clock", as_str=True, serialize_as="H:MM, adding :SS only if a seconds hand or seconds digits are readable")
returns 7:03:10
